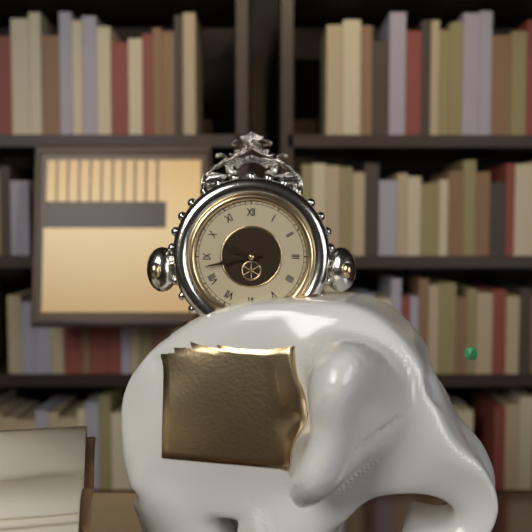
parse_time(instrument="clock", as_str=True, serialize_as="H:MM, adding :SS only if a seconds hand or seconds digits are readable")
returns 9:43
